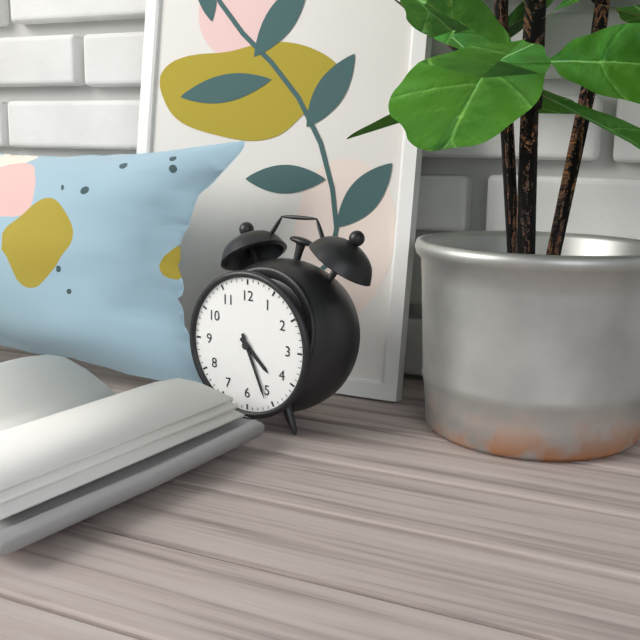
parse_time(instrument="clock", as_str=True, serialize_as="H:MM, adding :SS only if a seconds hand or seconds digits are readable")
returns 4:26
